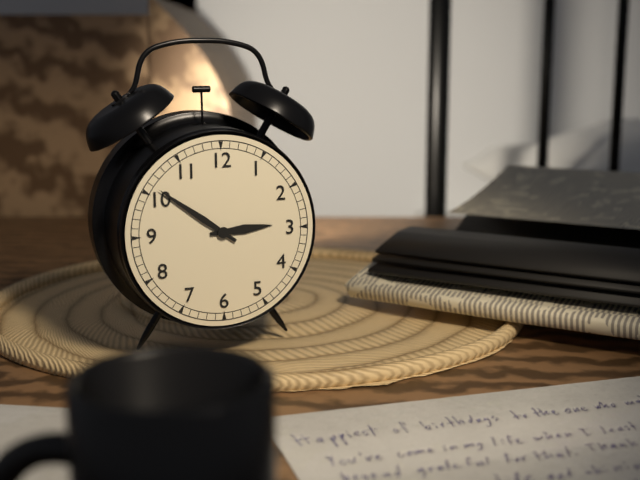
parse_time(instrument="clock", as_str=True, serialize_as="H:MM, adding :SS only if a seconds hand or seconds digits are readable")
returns 2:51
